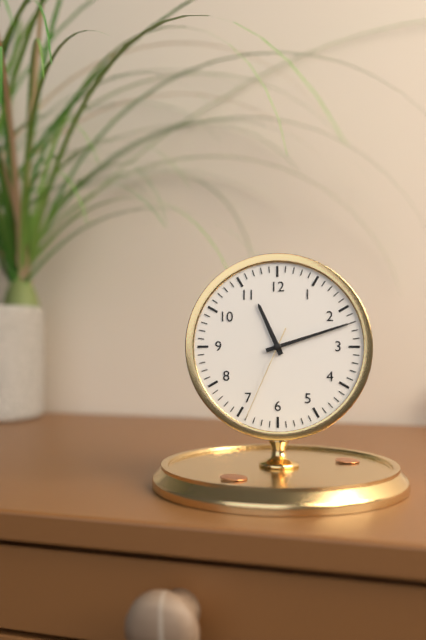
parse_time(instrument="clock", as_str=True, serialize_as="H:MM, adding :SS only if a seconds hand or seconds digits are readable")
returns 11:12:34
